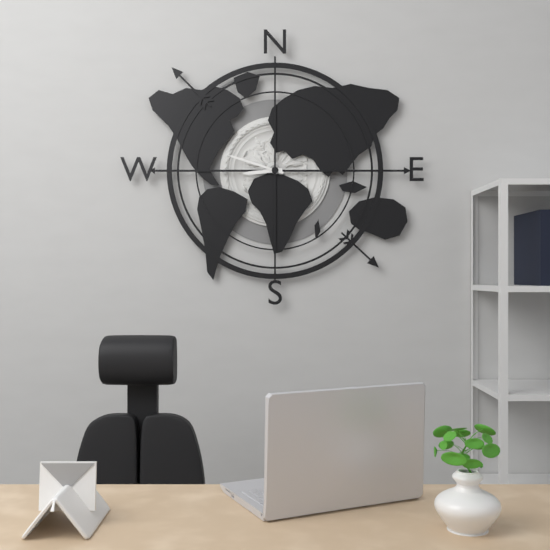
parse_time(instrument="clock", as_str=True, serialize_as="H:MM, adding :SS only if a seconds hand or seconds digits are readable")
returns 8:48
